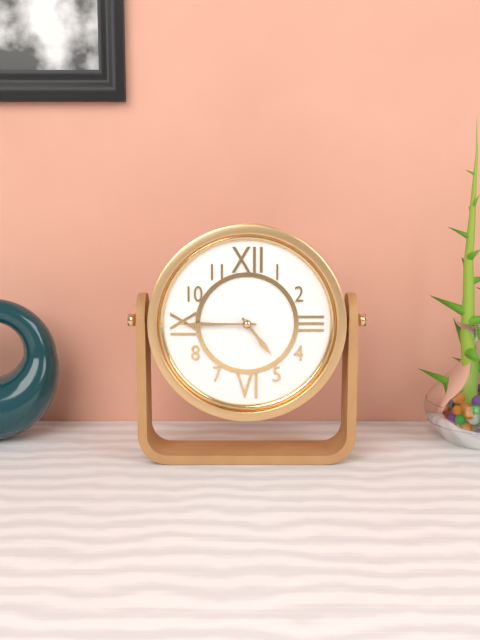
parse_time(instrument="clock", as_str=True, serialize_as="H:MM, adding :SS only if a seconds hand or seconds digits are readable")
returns 4:45
